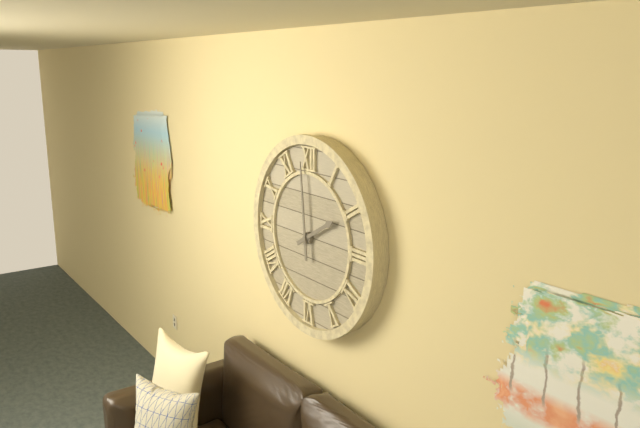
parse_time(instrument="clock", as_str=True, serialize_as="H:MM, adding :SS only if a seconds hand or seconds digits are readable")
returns 1:59
